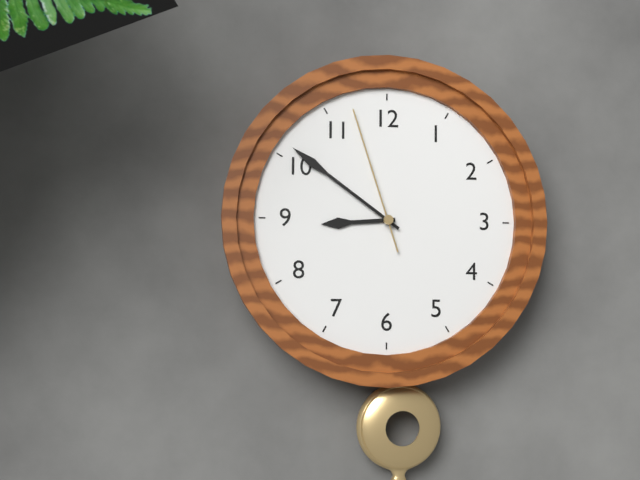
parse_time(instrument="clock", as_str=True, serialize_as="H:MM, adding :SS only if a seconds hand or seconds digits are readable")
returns 8:51:57
